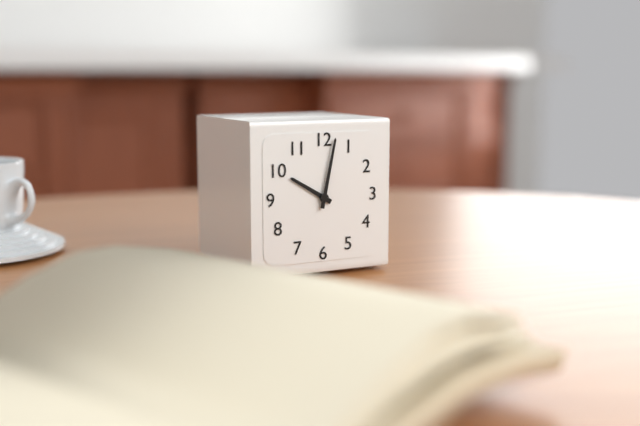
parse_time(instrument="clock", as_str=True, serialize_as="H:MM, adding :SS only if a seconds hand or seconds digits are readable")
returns 10:02
